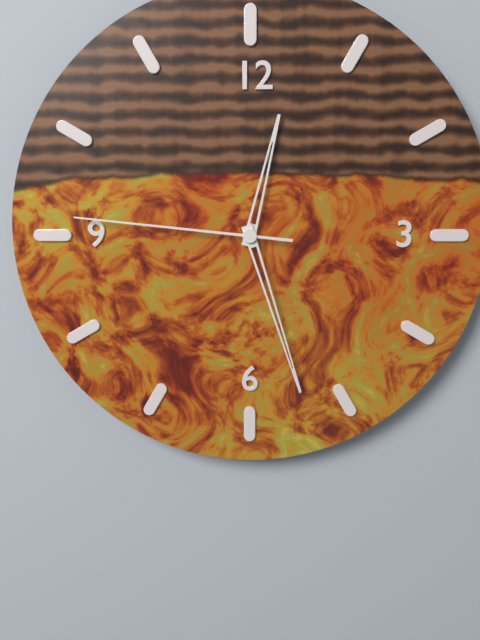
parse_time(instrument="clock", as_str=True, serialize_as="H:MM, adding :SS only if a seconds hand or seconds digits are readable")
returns 12:27:46
